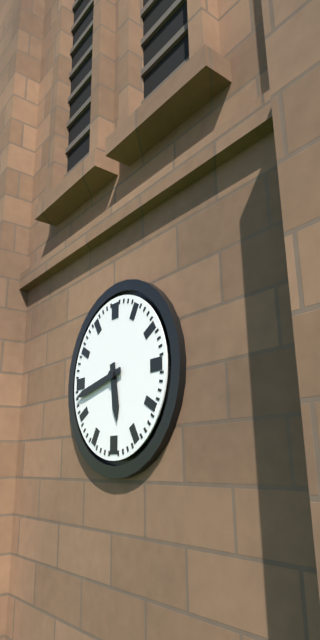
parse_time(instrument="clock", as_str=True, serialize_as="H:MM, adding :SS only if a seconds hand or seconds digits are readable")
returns 5:43
